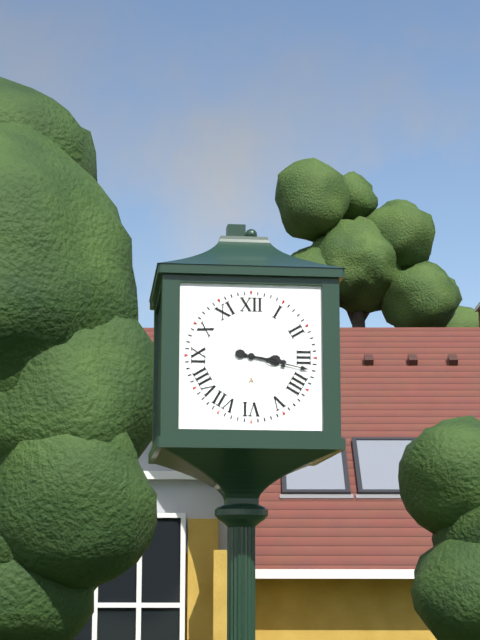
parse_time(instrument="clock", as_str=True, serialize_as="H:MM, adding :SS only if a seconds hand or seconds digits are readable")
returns 3:17
